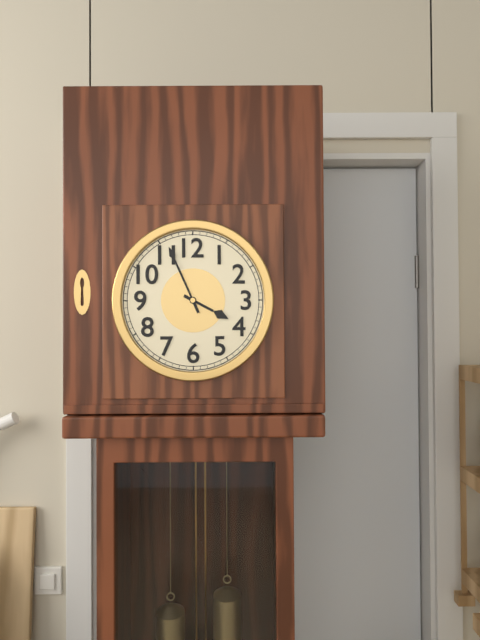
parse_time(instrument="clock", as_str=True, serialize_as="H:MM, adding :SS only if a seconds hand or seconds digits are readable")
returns 3:56
